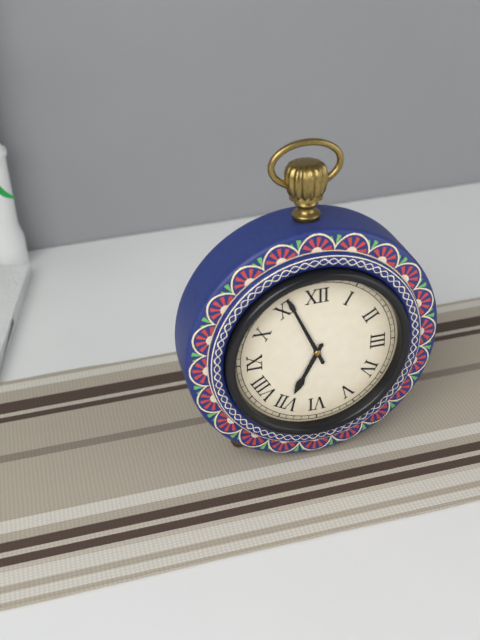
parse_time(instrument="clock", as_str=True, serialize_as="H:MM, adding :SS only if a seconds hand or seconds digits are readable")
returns 6:56
